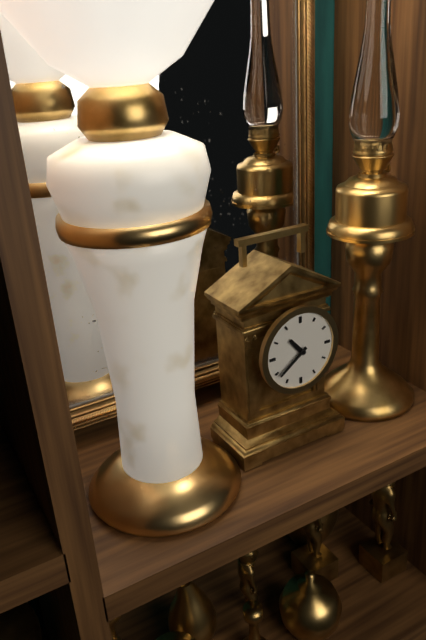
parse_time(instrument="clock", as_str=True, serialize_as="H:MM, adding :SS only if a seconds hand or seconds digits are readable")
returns 10:39
